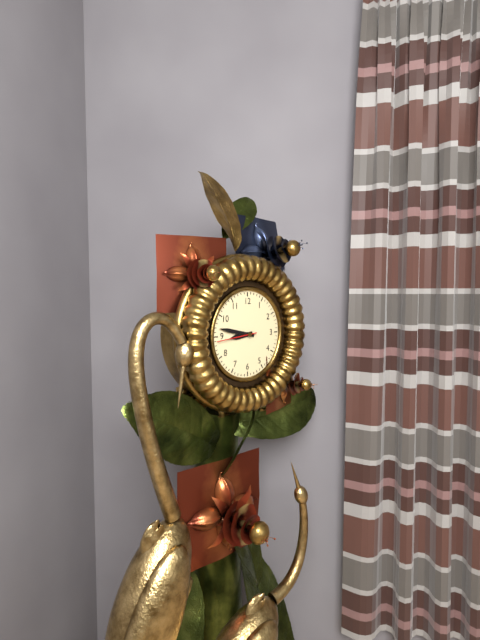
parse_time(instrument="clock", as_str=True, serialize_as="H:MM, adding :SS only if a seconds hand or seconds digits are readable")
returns 8:47
